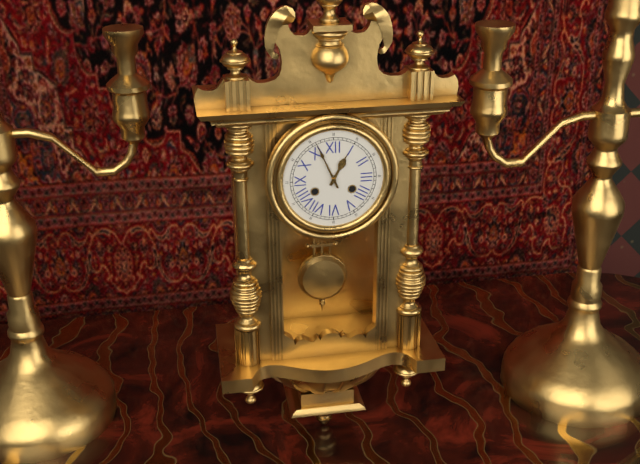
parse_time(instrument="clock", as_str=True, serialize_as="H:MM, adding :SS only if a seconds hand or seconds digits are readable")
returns 12:56
